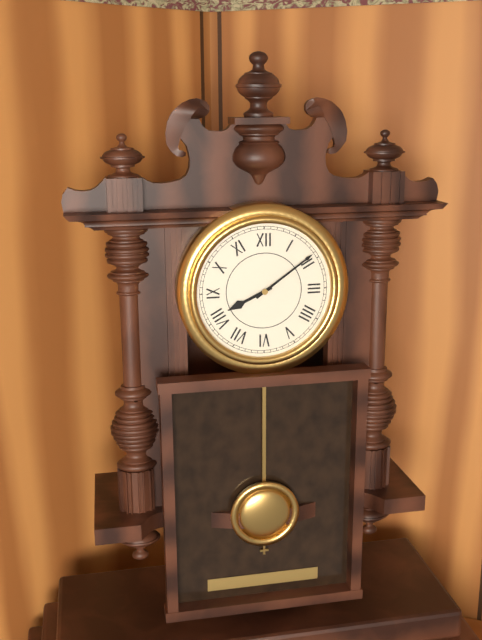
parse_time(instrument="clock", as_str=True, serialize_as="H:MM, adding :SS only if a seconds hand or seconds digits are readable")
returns 8:09
